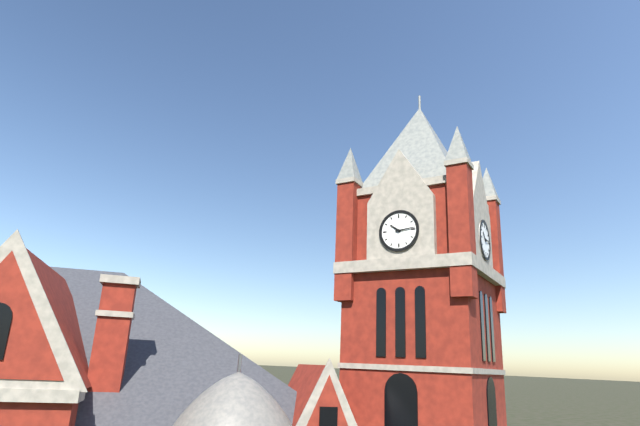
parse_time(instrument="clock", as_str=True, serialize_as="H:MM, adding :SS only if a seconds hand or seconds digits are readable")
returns 10:14
